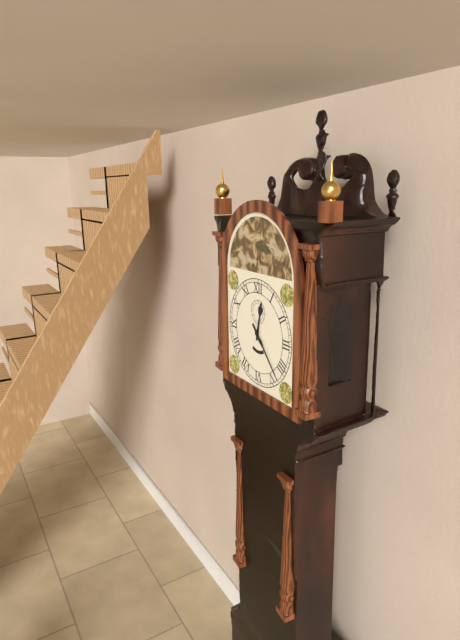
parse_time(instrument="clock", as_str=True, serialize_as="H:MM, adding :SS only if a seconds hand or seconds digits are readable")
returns 12:23
